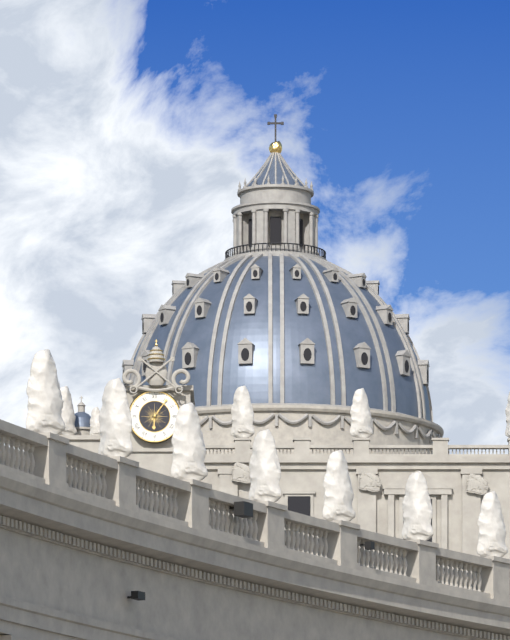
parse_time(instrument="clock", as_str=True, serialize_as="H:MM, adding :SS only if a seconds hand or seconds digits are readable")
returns 6:06
